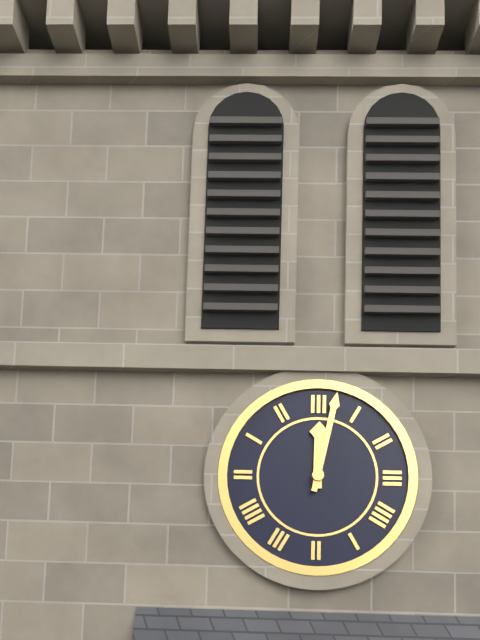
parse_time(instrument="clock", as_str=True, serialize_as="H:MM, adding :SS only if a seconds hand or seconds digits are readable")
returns 12:02
